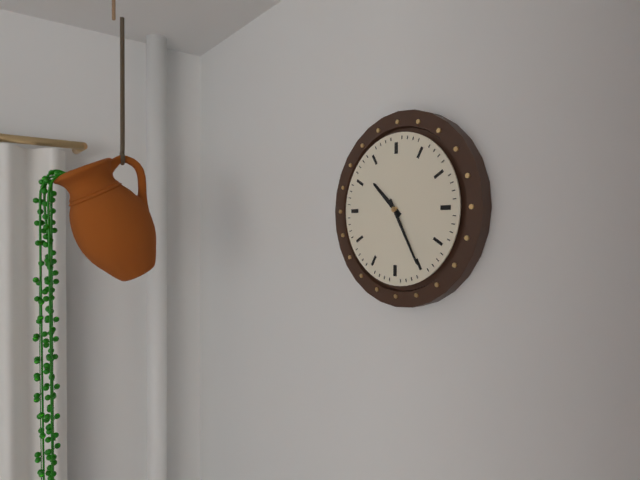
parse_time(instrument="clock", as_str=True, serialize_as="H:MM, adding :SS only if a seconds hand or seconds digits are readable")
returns 10:25
